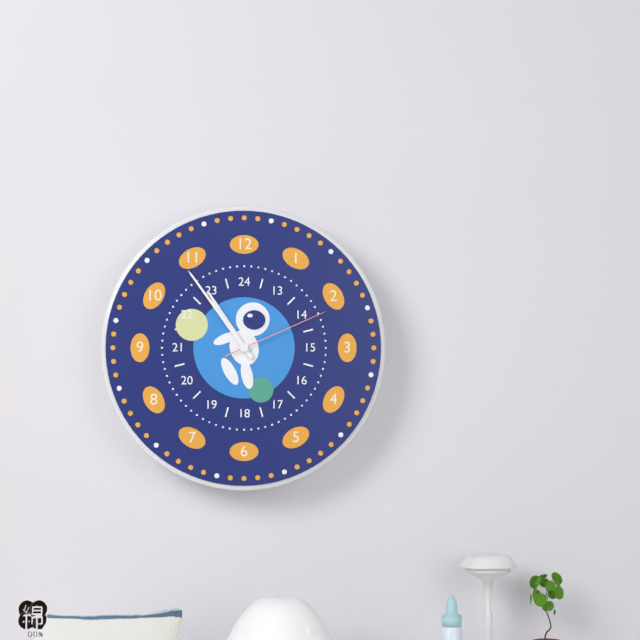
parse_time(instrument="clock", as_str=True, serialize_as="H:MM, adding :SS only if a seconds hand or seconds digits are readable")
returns 10:54:11
